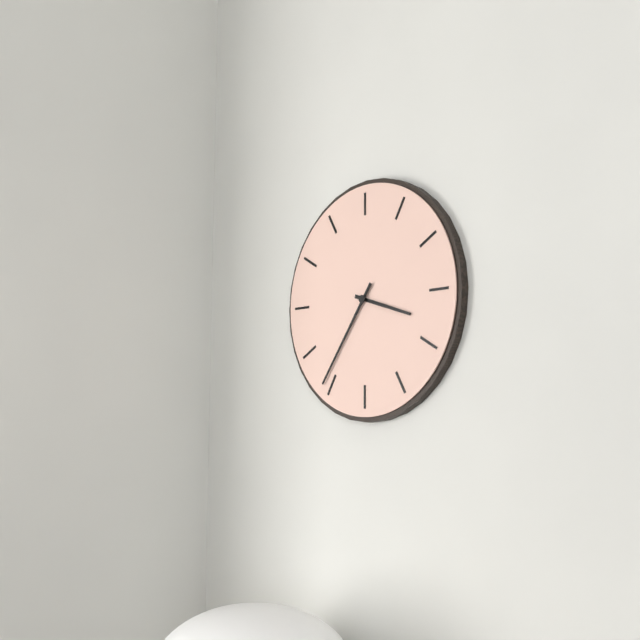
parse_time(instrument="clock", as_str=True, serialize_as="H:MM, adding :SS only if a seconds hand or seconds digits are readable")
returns 3:36
